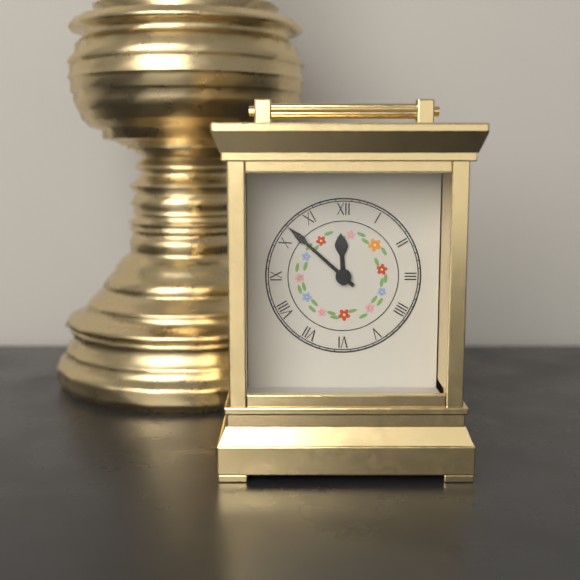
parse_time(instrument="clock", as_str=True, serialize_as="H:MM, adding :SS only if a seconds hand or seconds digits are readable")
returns 11:52
